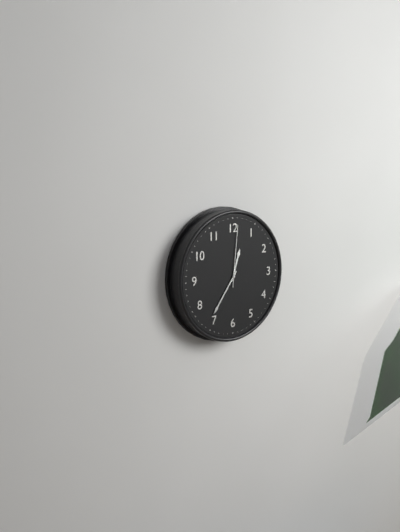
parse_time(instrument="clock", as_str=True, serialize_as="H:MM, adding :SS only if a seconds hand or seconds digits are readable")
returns 12:36:01
